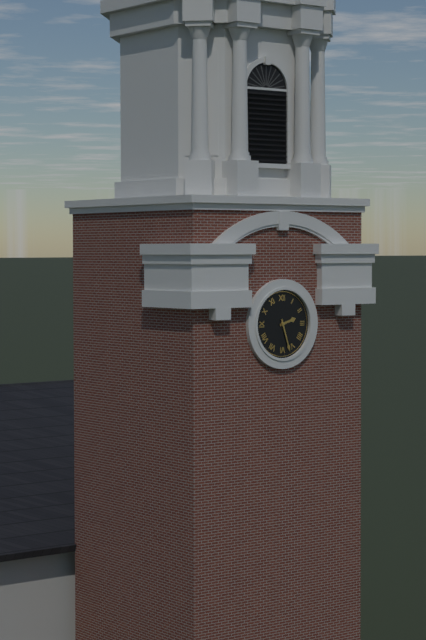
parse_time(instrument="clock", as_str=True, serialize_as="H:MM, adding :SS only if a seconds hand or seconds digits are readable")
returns 2:27
